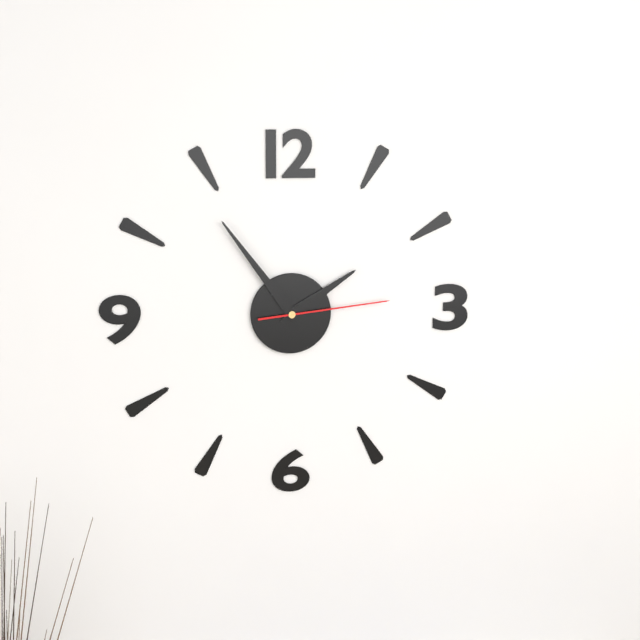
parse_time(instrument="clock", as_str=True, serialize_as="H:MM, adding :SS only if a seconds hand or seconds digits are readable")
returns 1:54:14
